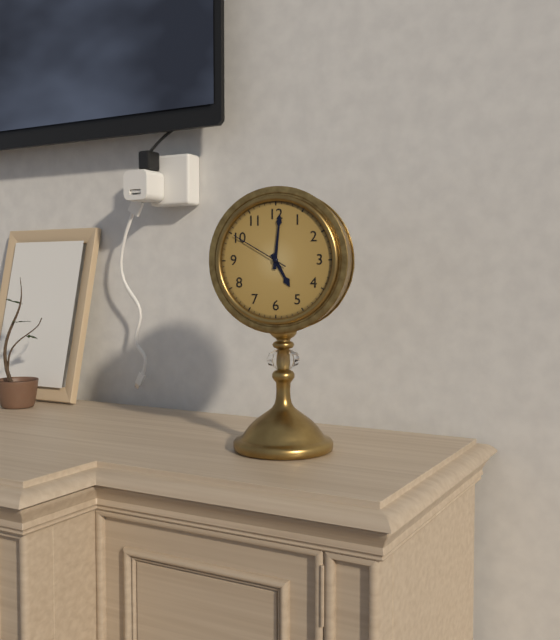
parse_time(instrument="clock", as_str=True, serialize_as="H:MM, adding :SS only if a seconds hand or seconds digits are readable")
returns 5:01:50
